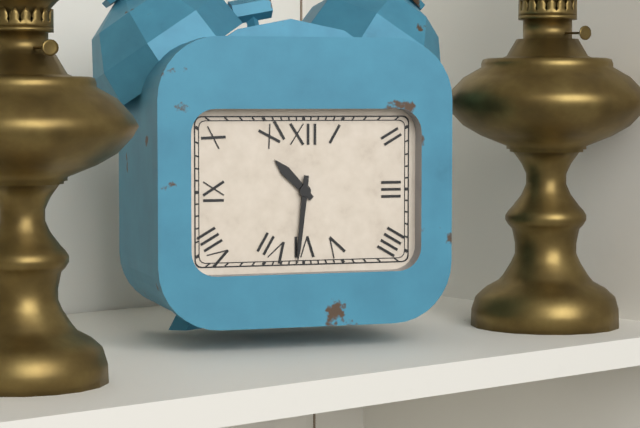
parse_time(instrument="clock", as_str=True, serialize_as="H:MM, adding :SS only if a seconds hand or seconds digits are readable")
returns 10:31
